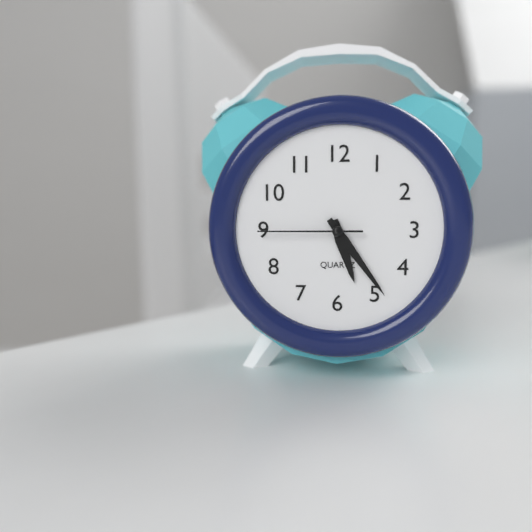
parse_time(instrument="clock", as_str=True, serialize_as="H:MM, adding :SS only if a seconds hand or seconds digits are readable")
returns 5:24:45
